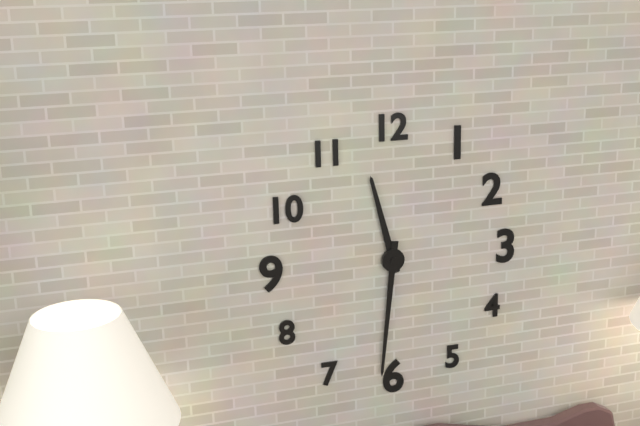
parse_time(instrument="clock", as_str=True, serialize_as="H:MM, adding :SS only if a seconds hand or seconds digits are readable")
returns 11:31
